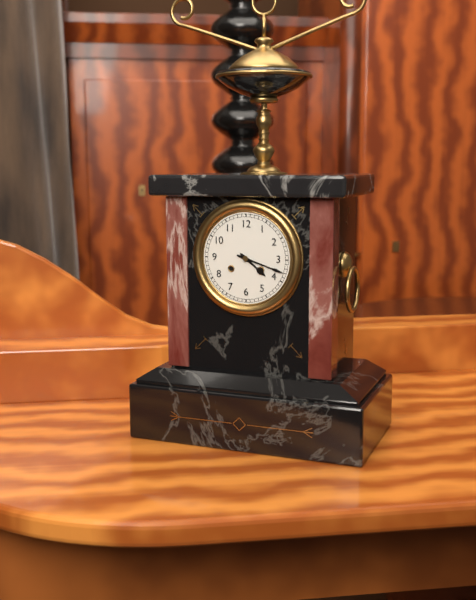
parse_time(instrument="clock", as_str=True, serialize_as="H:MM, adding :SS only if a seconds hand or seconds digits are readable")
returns 4:18
